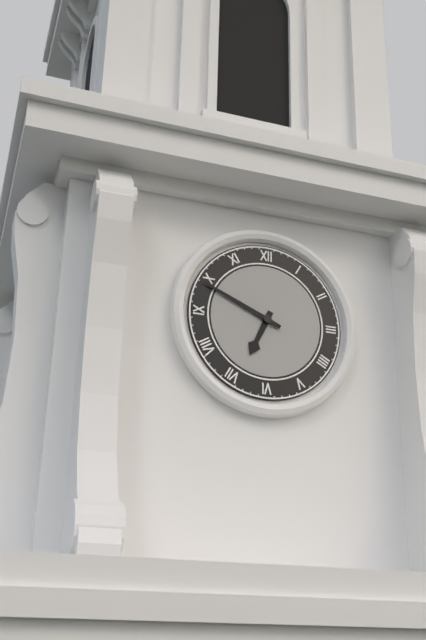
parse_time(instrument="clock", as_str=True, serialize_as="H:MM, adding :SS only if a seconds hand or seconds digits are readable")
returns 6:49
